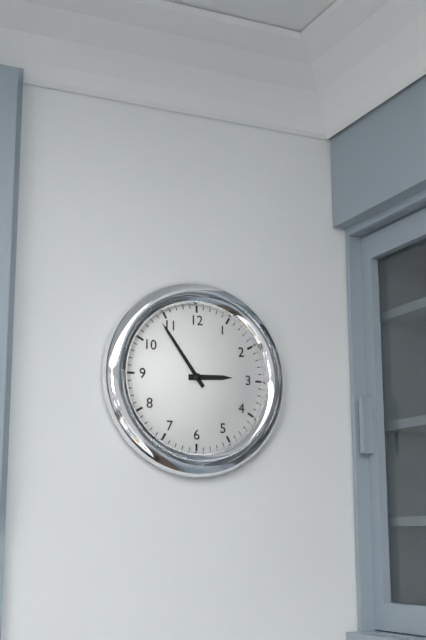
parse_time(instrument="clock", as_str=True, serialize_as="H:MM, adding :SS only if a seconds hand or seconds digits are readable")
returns 2:54
